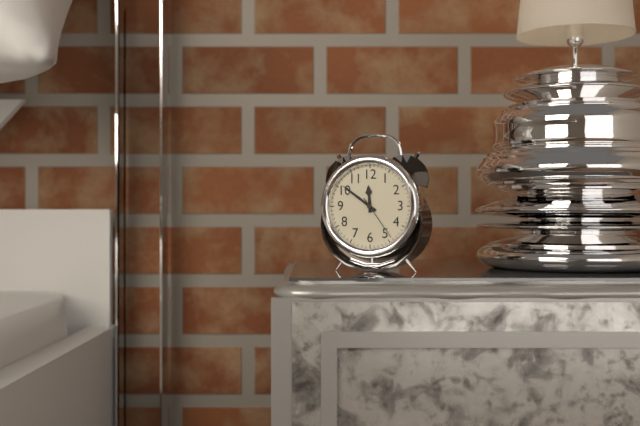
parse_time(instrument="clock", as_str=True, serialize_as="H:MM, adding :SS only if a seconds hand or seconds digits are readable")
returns 11:51
